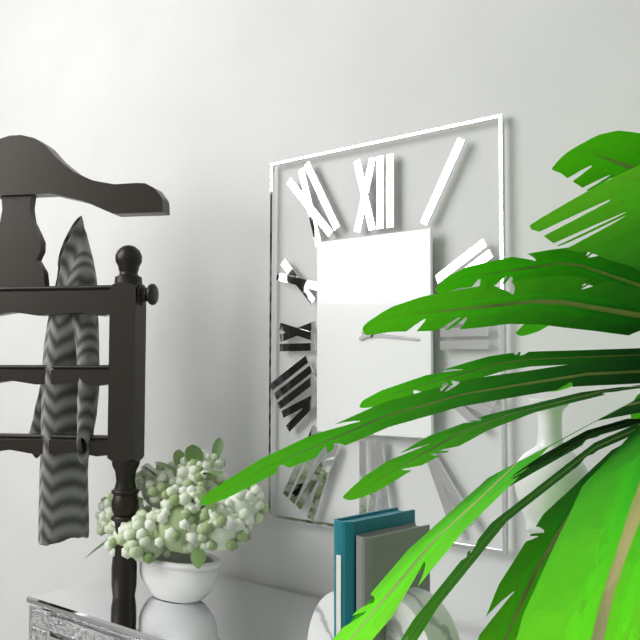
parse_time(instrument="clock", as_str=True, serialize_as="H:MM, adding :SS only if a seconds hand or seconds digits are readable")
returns 3:12
